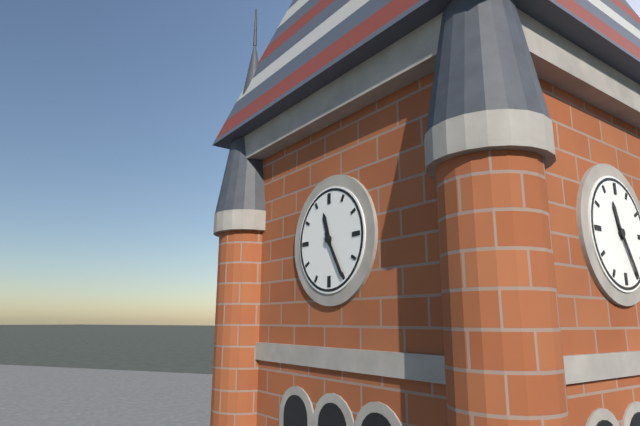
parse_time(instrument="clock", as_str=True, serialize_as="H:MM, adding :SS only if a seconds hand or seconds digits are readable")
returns 11:25
